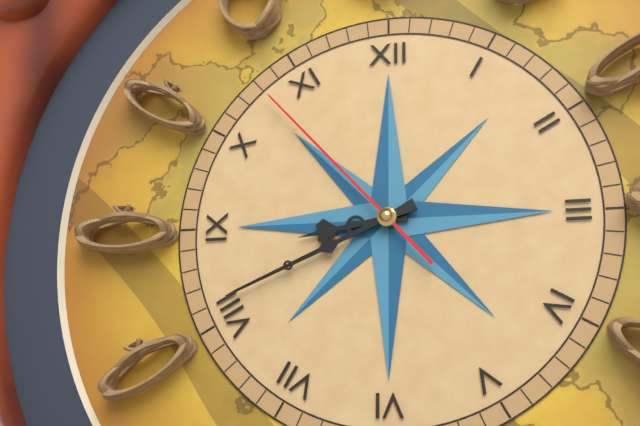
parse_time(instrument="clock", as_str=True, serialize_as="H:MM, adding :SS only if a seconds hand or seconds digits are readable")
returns 8:41:53
